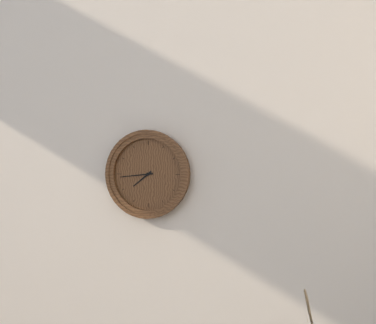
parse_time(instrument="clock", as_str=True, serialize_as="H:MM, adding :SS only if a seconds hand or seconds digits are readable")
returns 7:44
